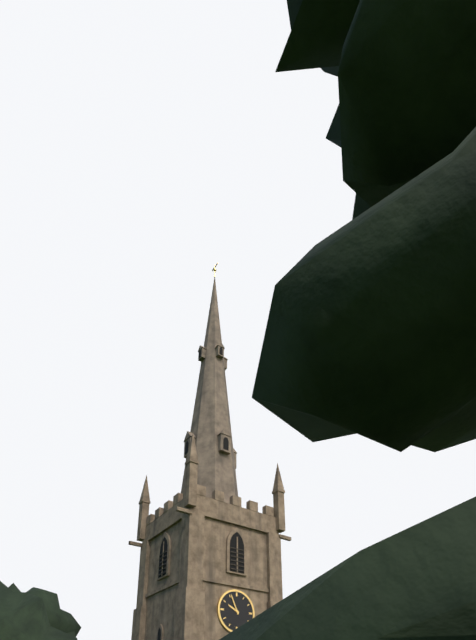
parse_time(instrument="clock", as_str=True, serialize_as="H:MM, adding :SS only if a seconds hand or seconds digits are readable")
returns 9:56
